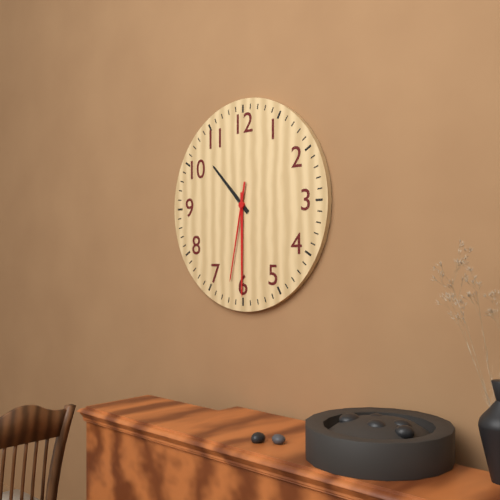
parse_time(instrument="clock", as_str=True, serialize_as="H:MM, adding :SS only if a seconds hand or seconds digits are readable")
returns 10:30:32
